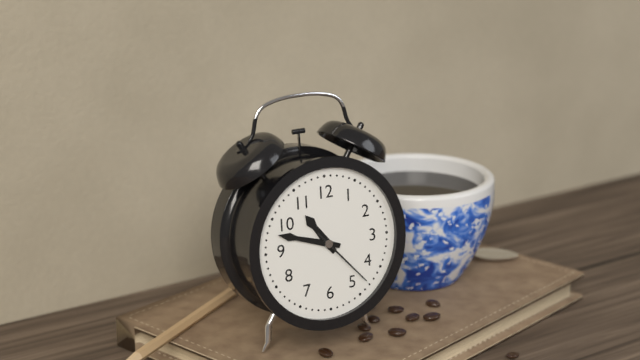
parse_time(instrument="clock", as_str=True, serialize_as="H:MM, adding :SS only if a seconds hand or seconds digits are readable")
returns 10:48:23
